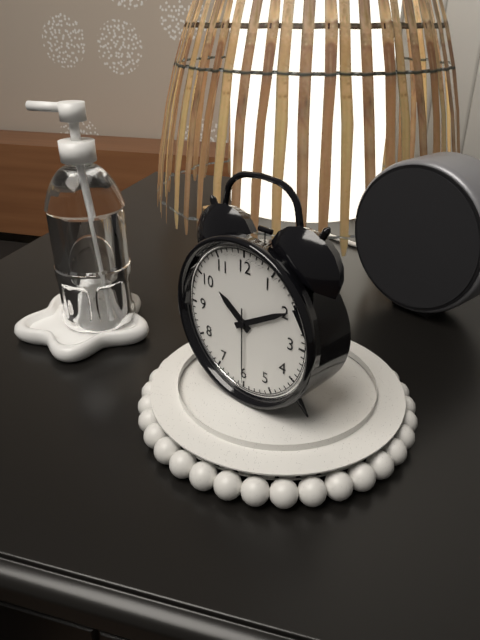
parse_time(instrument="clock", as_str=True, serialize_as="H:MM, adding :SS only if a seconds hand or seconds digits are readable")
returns 10:10:30
